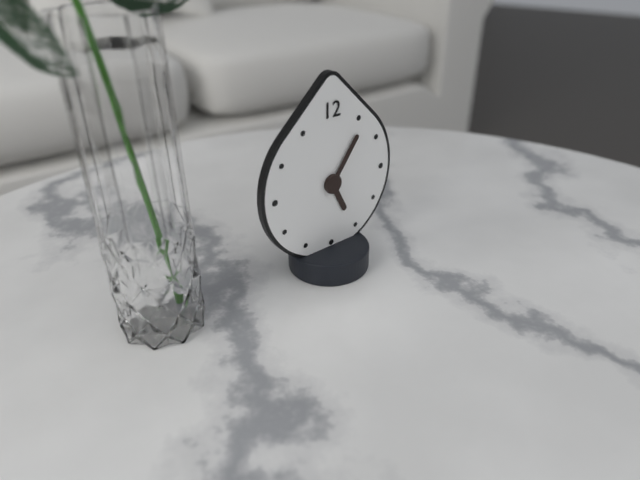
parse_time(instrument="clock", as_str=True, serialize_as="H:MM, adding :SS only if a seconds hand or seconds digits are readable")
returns 5:06
